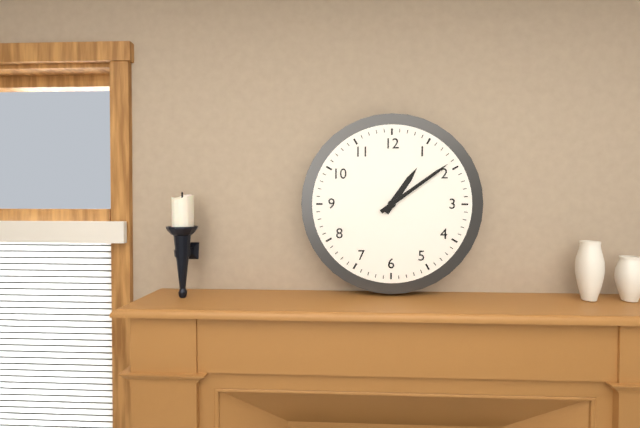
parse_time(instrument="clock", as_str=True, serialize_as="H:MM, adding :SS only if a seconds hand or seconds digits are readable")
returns 1:09
